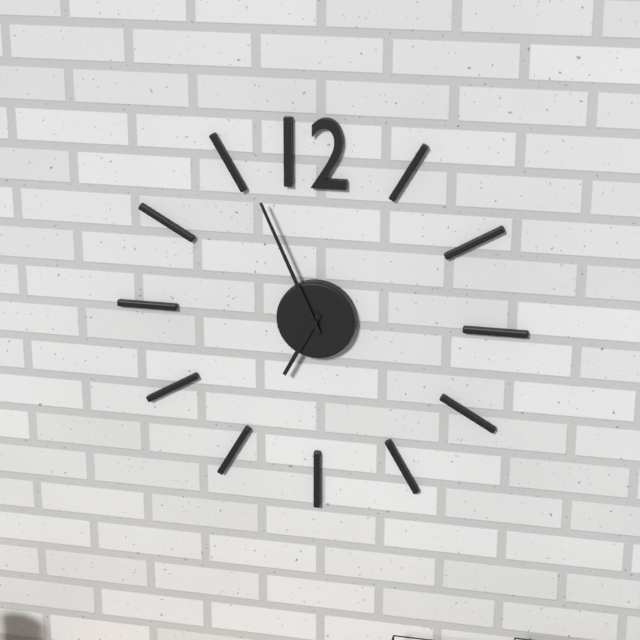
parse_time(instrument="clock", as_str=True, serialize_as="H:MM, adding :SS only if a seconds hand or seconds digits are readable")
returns 6:56
